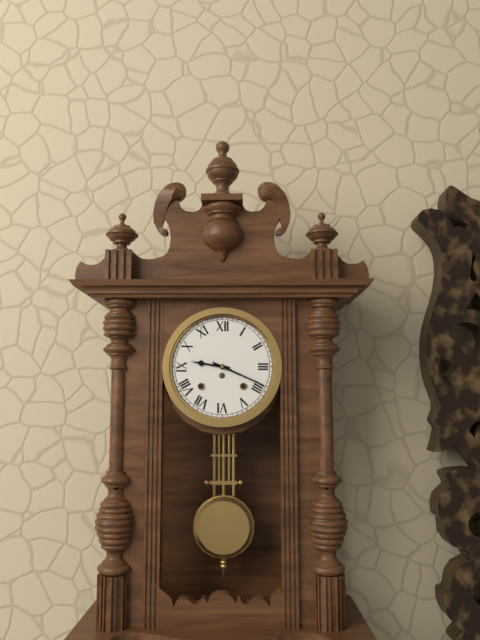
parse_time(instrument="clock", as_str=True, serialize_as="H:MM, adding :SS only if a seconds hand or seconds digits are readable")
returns 9:19
